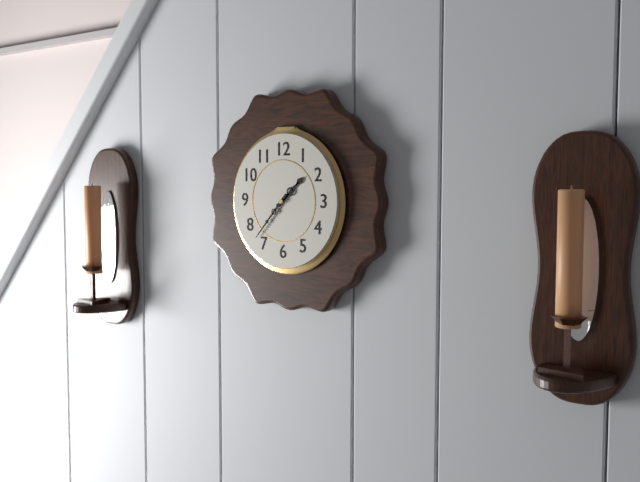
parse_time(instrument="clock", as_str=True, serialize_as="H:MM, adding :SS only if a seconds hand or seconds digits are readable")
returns 1:37
